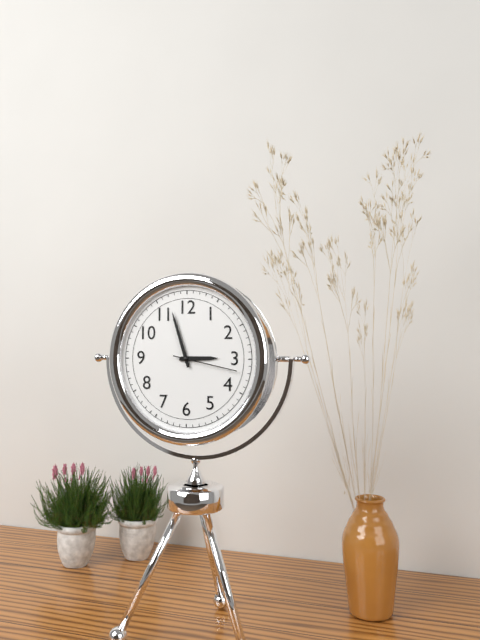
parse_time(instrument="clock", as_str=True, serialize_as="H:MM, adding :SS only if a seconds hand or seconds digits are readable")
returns 2:57:17
